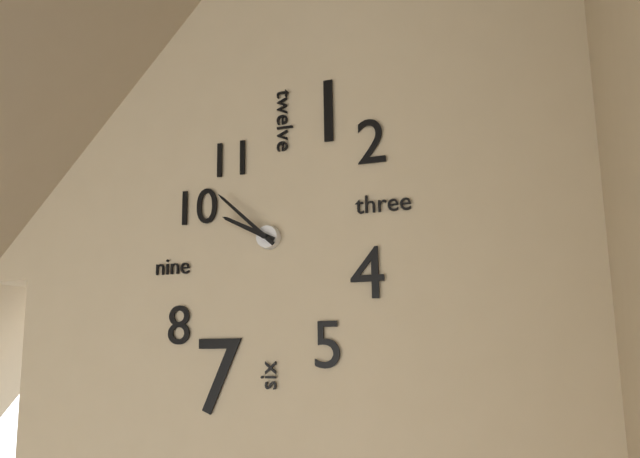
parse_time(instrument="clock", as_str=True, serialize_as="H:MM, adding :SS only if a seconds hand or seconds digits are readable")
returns 9:52
